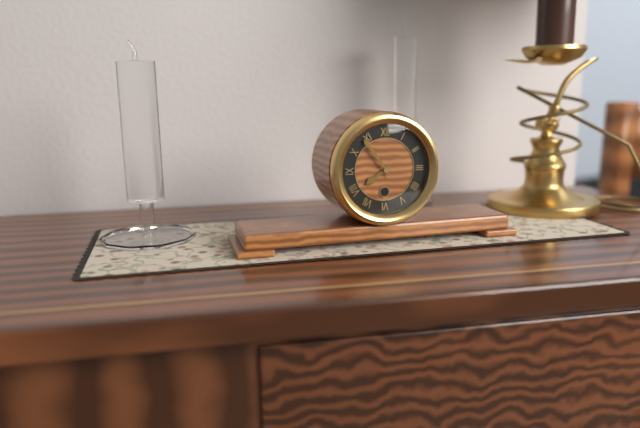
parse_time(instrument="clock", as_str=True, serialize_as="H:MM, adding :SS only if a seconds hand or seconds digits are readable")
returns 7:54
